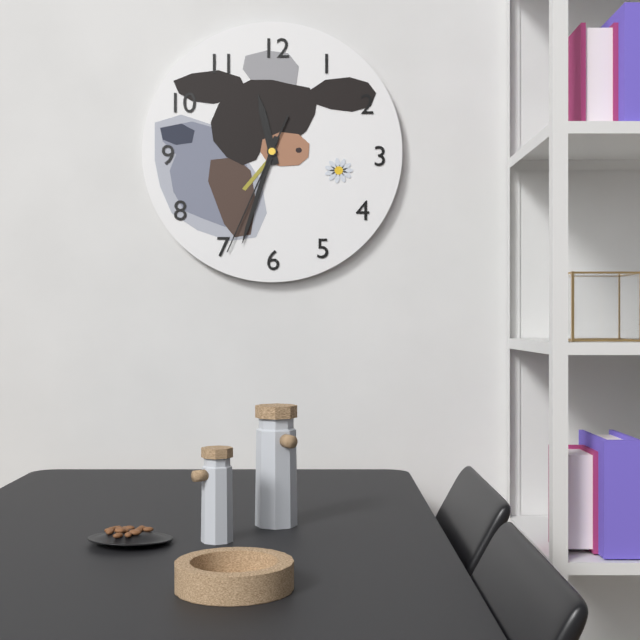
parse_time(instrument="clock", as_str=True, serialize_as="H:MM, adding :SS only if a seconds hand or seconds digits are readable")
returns 11:33:34
